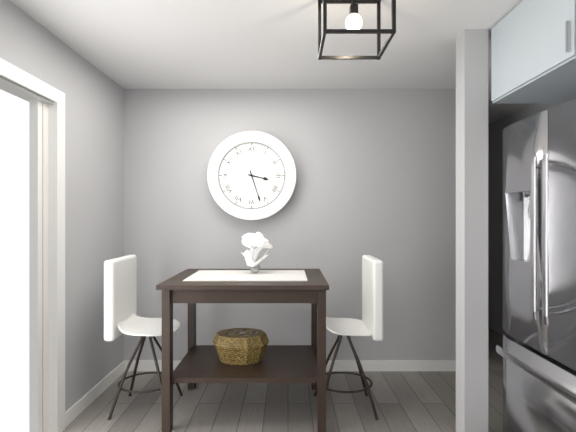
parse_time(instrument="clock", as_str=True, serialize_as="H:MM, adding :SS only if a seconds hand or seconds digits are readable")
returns 3:27
